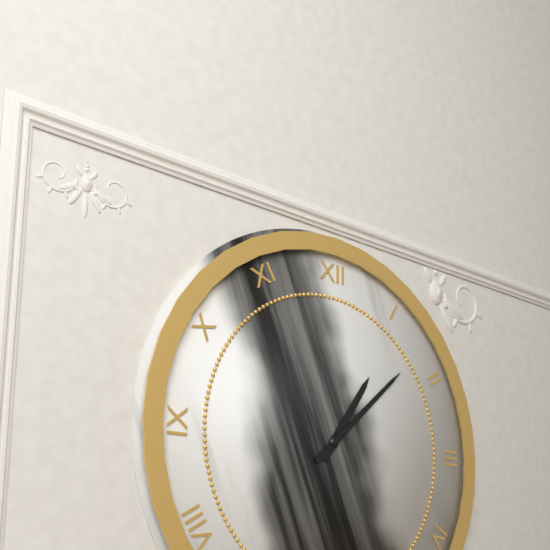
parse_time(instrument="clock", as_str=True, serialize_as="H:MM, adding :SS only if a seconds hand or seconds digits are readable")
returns 1:08
